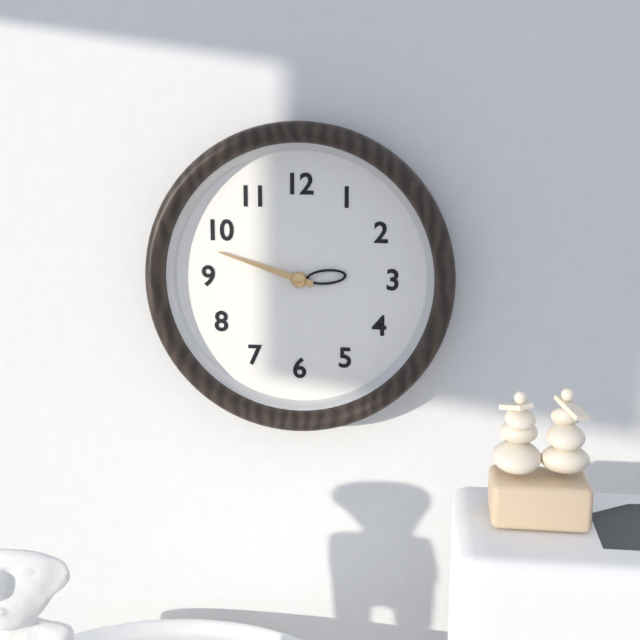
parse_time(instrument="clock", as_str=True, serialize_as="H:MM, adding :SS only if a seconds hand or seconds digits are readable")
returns 2:48
